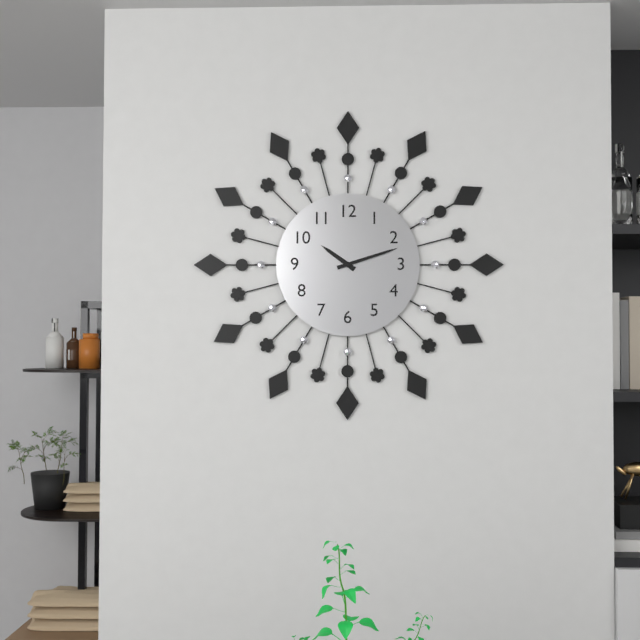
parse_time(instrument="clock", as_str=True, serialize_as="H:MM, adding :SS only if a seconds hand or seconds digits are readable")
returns 10:12
